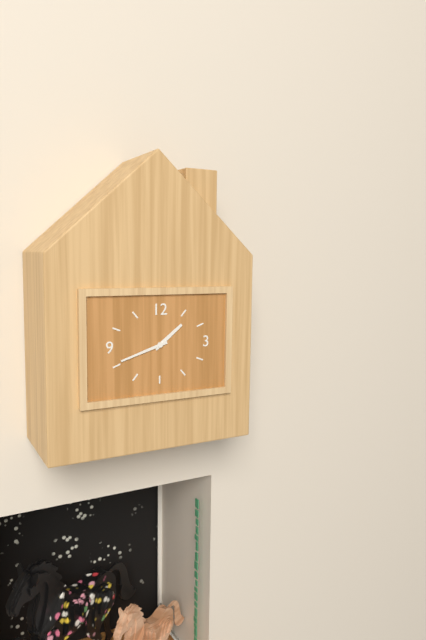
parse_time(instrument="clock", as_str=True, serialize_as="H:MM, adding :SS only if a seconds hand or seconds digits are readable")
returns 1:42
